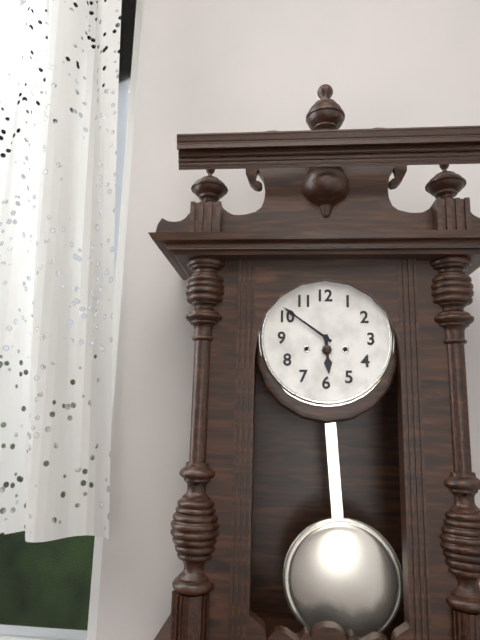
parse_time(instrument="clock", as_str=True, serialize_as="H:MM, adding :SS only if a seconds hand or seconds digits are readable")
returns 5:51
